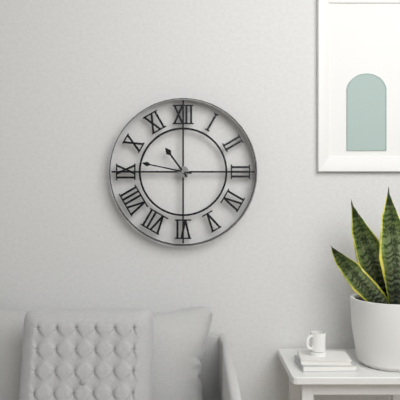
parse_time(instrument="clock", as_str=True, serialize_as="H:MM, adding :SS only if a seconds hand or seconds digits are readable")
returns 10:47
